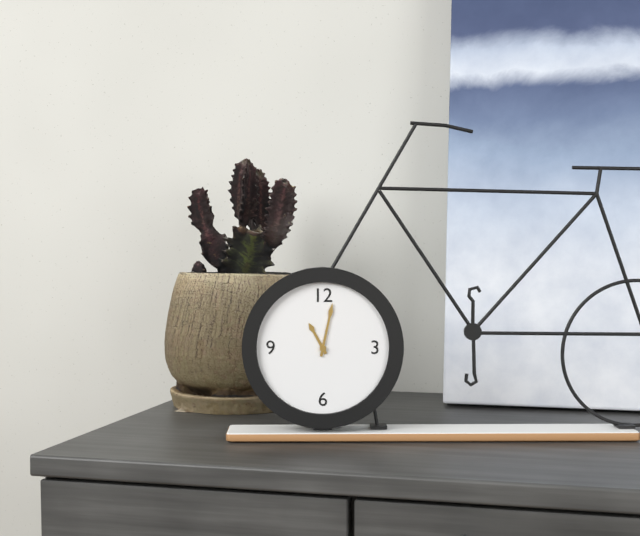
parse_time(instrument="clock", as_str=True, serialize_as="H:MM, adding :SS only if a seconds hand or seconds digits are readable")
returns 11:02
